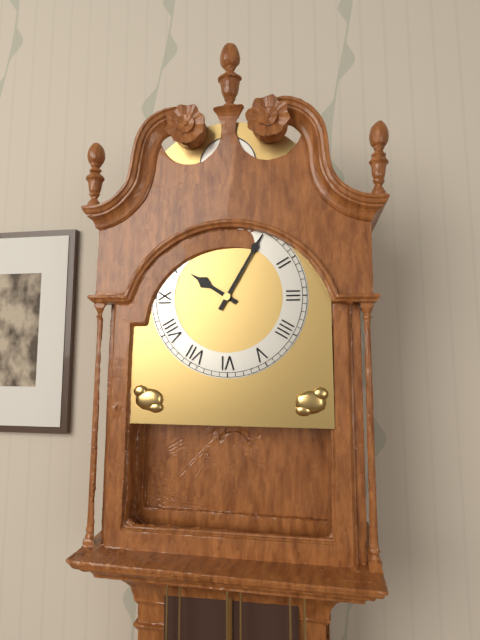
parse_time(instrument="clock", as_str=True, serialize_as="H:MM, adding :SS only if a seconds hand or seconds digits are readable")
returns 10:05
